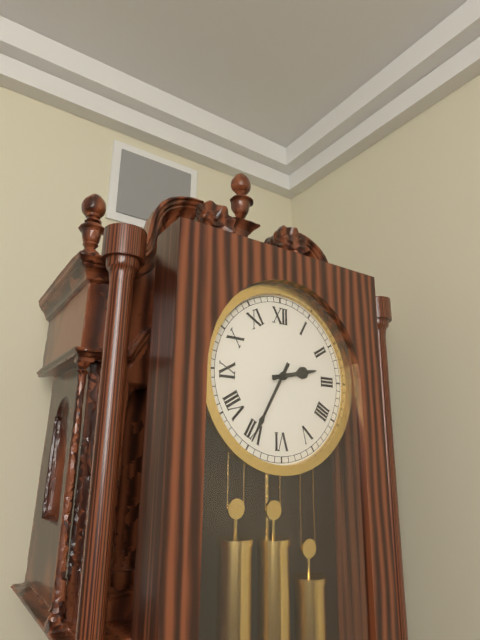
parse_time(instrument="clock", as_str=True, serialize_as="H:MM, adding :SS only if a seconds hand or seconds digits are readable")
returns 2:35
